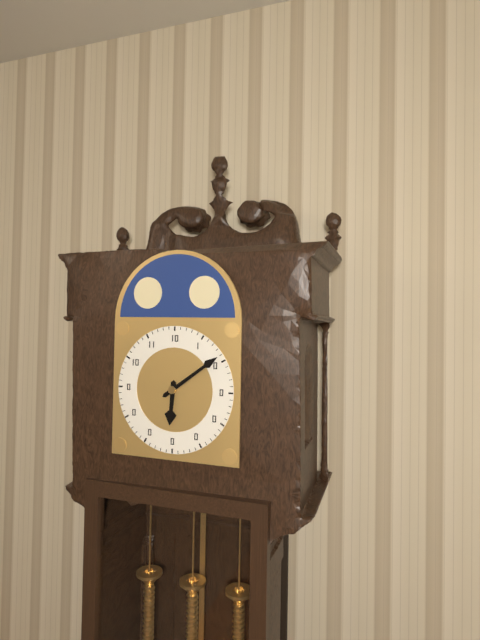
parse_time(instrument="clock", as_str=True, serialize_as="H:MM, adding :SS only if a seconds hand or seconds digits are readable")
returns 6:09
